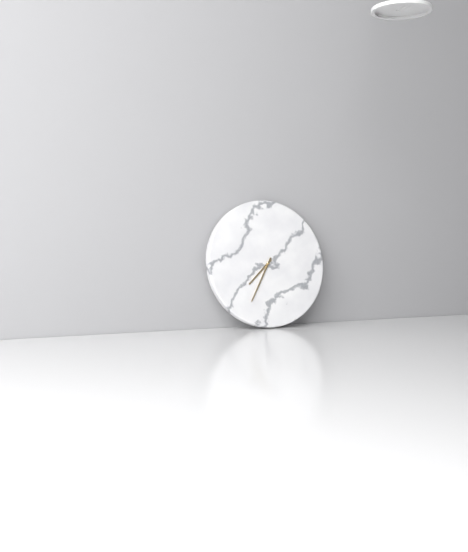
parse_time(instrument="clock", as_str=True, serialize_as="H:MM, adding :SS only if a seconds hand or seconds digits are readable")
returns 7:35
